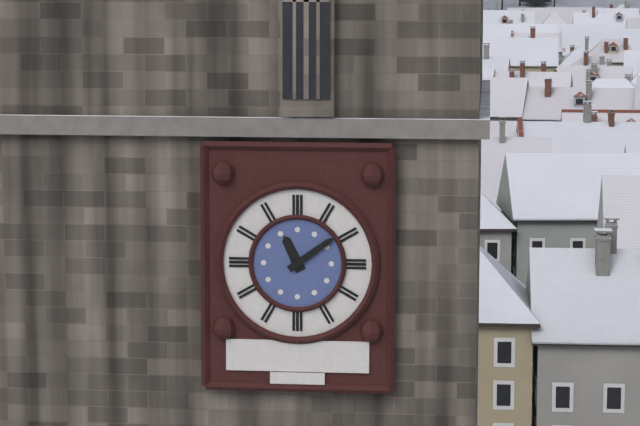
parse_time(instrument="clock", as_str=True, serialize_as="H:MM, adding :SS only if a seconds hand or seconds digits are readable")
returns 11:09
